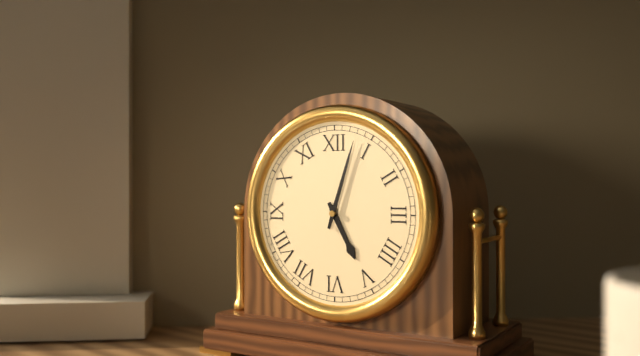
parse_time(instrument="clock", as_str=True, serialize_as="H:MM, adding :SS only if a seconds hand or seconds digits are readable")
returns 5:03
